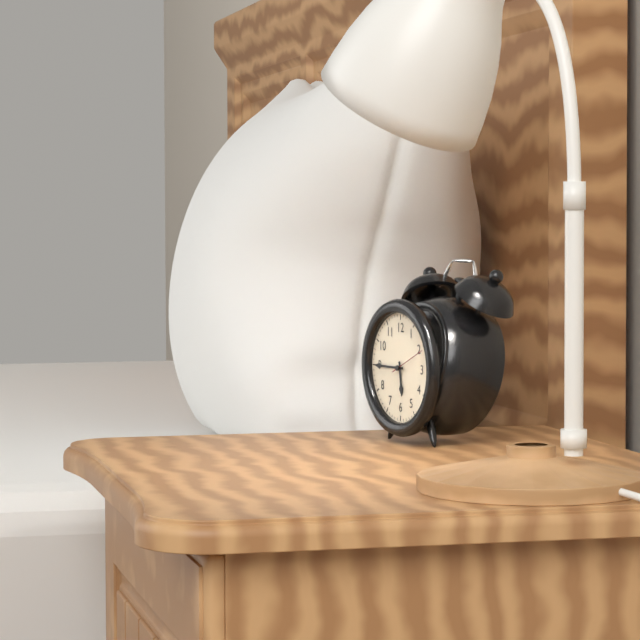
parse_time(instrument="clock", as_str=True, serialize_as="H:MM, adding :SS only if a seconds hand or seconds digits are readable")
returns 5:45
